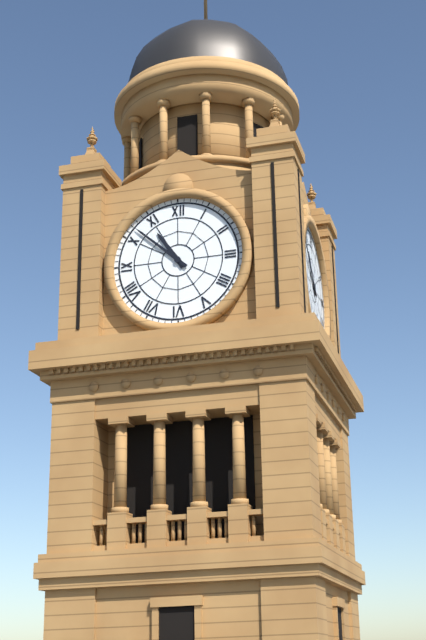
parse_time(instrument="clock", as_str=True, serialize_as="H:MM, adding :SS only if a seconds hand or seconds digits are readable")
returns 10:52
